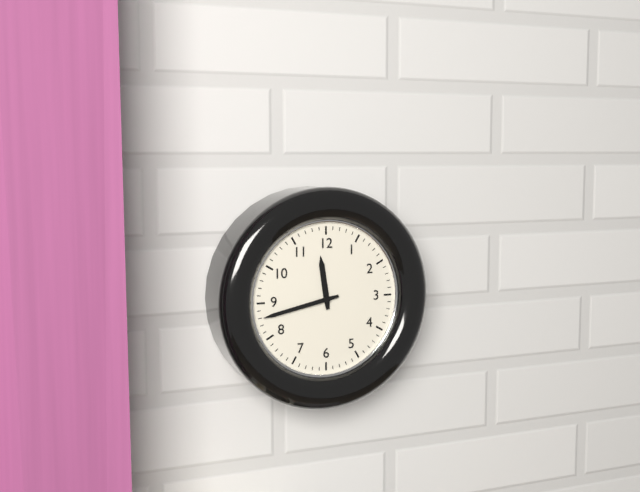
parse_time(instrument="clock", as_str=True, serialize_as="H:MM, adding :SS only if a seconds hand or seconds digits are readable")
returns 11:43
